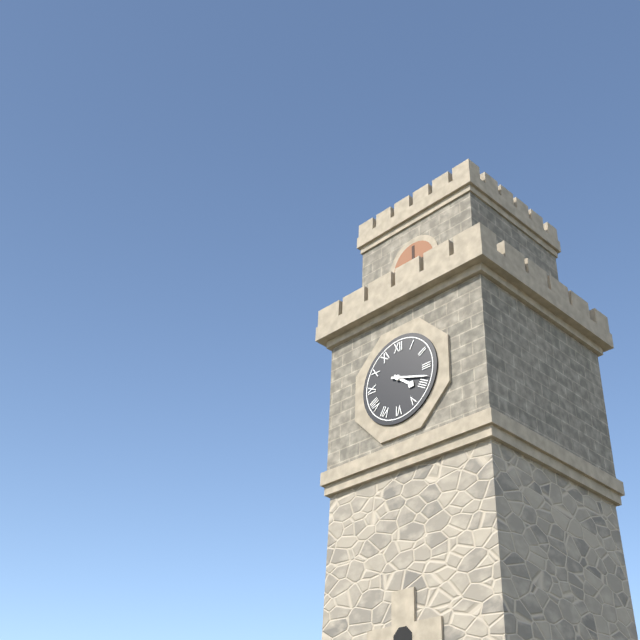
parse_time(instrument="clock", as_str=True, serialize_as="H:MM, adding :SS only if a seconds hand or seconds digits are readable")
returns 4:18
